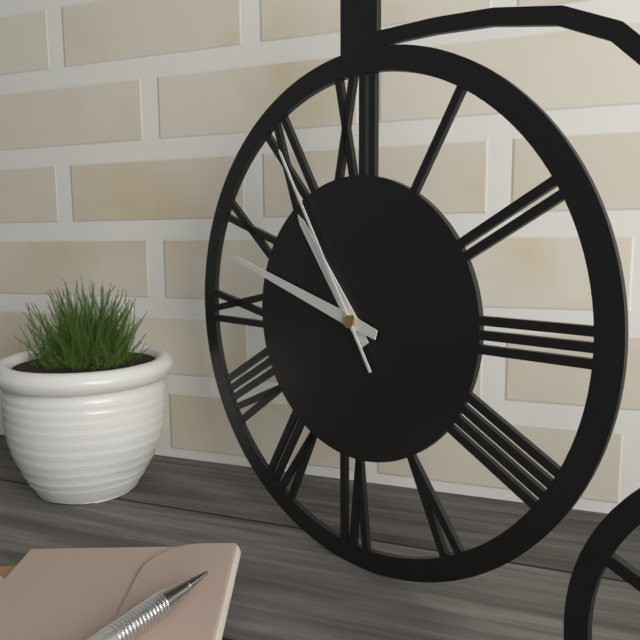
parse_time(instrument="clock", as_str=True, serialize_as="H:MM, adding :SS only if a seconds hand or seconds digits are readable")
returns 10:48:55
